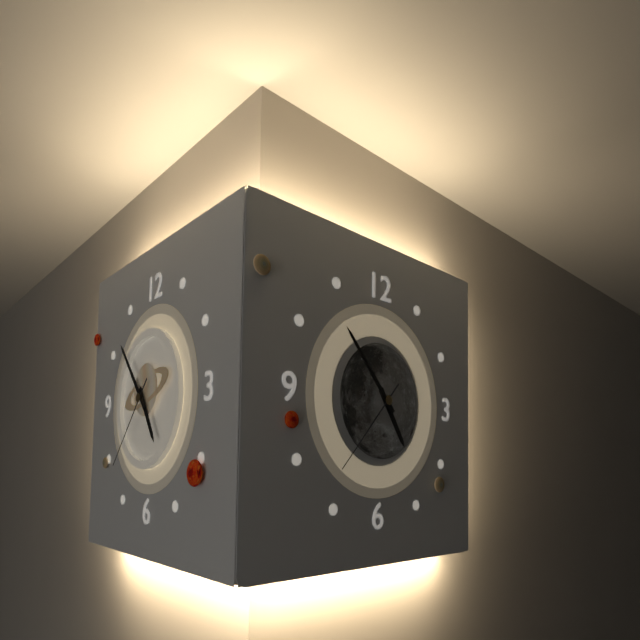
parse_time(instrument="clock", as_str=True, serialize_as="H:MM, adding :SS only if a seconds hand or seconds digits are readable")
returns 4:53:37
